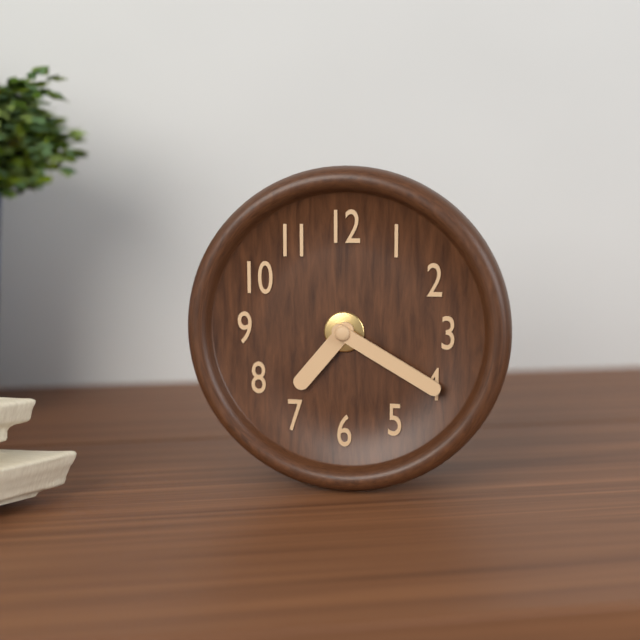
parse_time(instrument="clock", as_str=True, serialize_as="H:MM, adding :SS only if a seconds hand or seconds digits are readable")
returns 7:20
